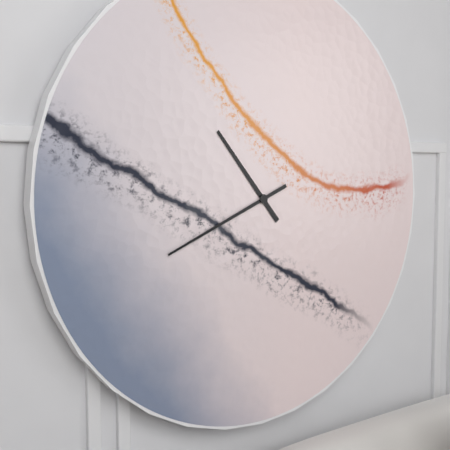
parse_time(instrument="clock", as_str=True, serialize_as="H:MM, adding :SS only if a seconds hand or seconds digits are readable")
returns 10:41
